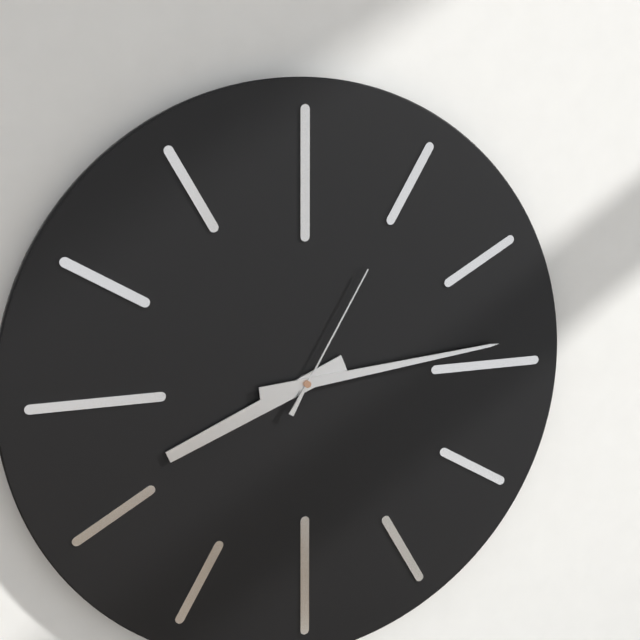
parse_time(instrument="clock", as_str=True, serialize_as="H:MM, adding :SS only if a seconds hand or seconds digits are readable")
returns 8:14:05
